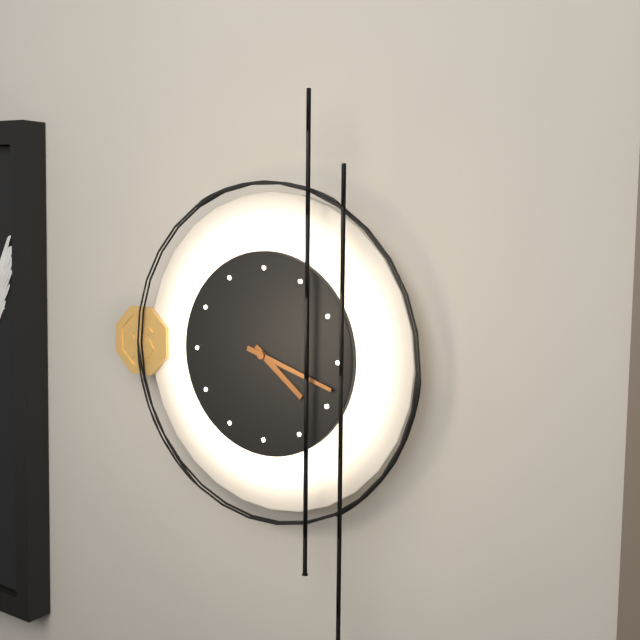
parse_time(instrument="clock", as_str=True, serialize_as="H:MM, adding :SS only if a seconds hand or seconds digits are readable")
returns 4:18
